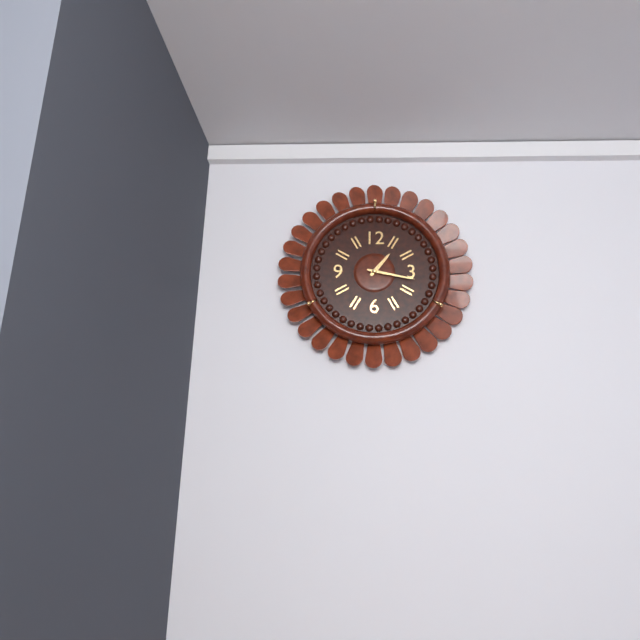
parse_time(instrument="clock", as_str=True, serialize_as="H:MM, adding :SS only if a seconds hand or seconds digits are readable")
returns 1:17
